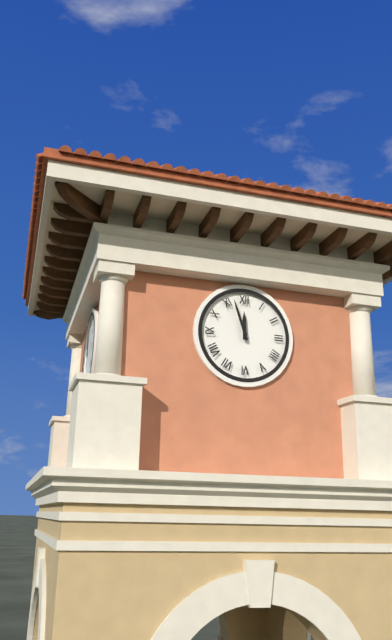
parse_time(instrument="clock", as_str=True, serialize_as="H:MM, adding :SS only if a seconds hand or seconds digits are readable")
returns 11:57
